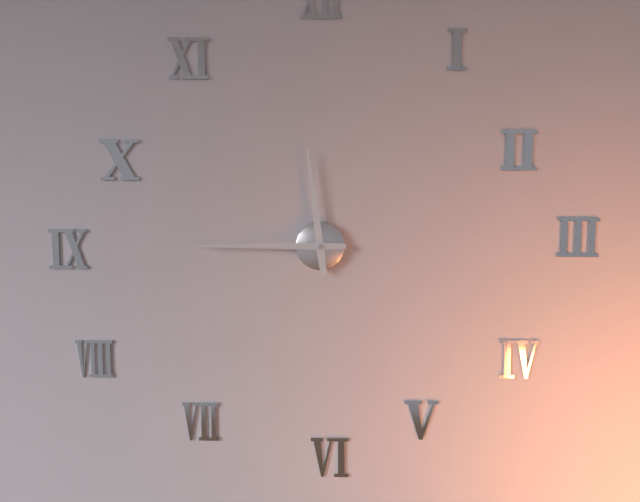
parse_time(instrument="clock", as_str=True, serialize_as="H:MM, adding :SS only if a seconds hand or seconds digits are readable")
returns 11:45
